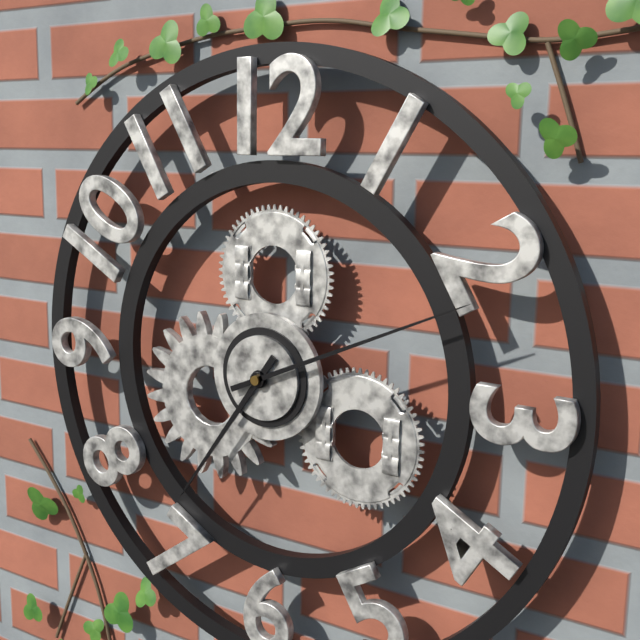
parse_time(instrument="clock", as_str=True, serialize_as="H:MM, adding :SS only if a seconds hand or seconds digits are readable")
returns 7:11
